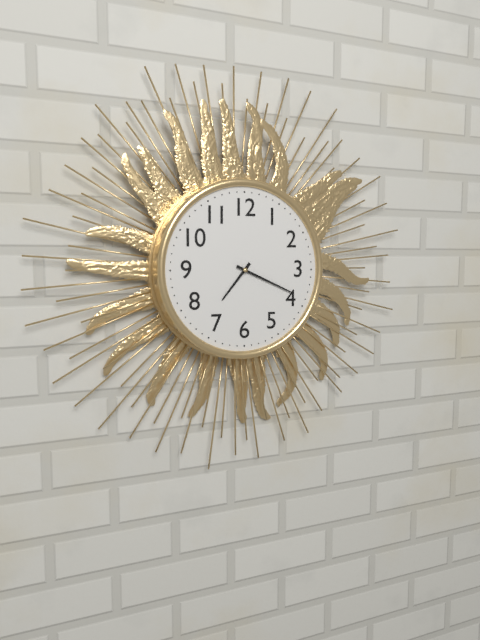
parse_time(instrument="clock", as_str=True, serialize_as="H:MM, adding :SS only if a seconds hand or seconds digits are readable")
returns 7:19
